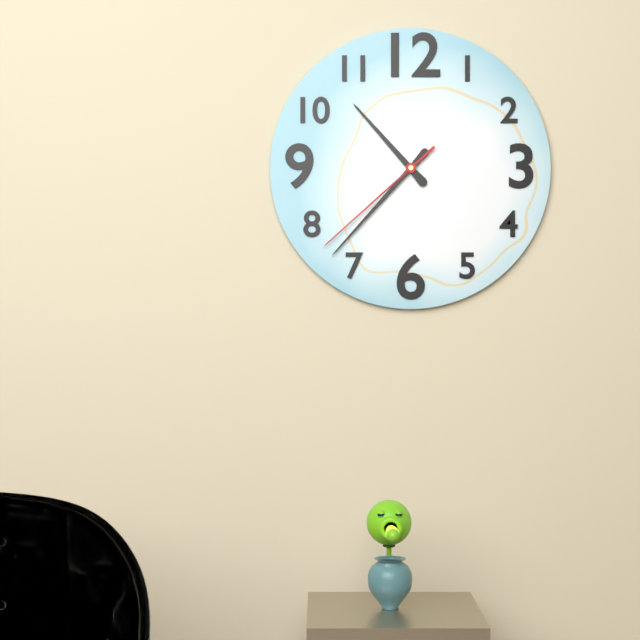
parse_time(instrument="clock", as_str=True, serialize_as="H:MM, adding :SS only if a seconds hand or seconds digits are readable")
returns 10:37:38
